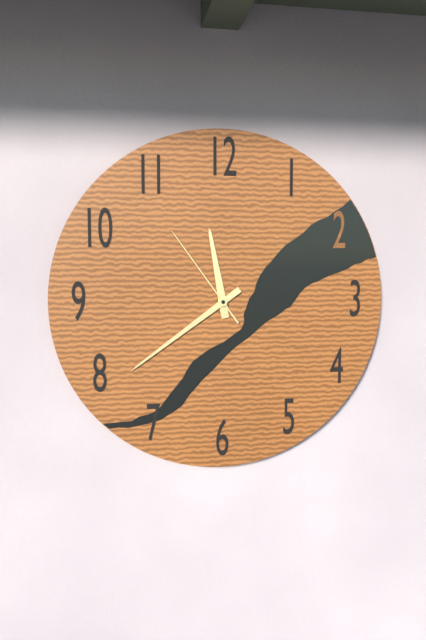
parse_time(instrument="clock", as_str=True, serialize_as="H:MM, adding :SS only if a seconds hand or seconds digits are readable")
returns 11:39:54
